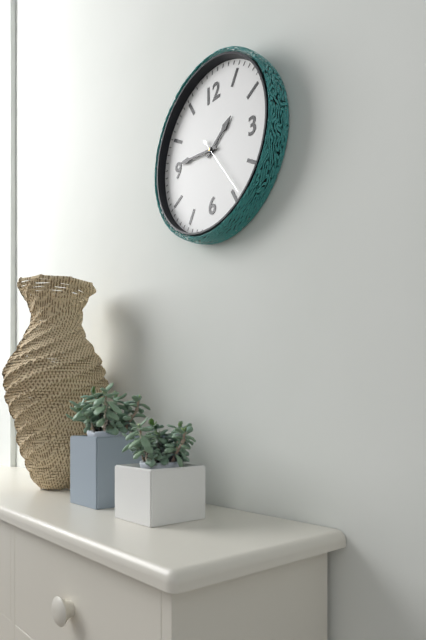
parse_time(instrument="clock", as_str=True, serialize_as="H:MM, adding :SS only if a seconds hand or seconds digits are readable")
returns 1:46
